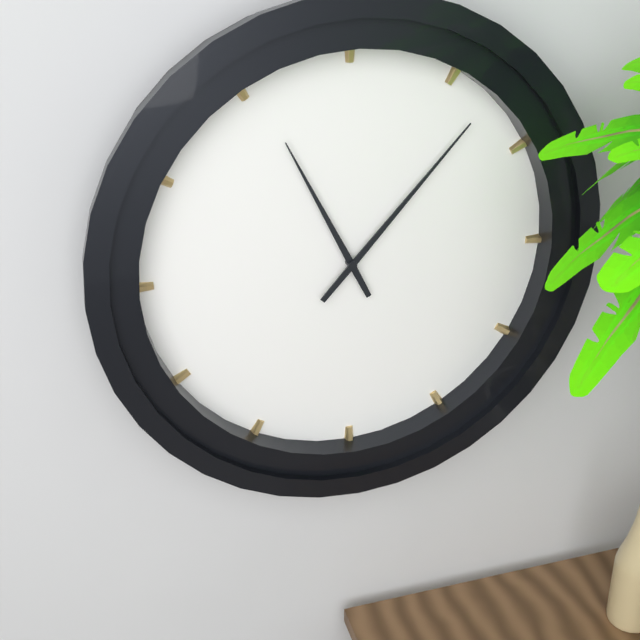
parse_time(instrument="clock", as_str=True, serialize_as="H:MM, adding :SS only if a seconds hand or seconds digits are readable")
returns 11:07
